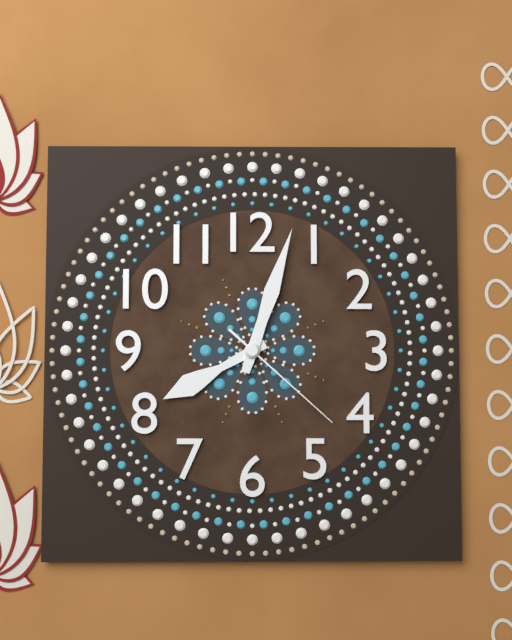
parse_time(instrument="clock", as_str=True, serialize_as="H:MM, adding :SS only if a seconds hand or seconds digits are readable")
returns 8:03:22
